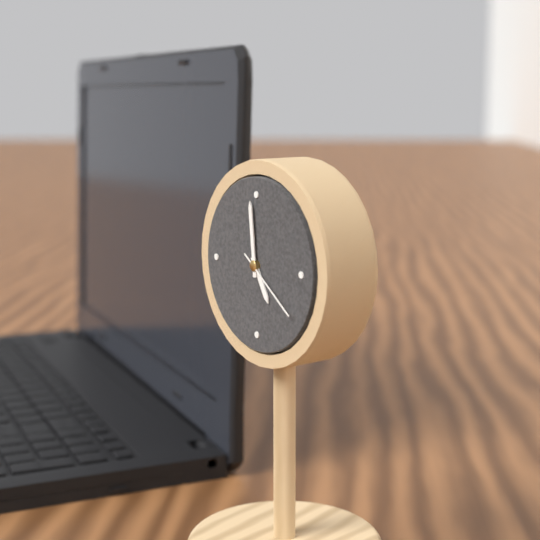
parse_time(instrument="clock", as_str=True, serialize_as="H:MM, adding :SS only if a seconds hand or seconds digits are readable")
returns 4:59:21
